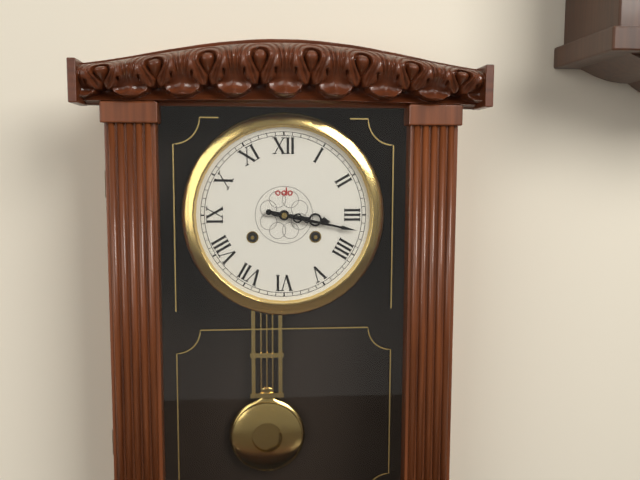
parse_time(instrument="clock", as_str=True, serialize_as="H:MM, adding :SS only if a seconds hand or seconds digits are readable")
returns 3:17
